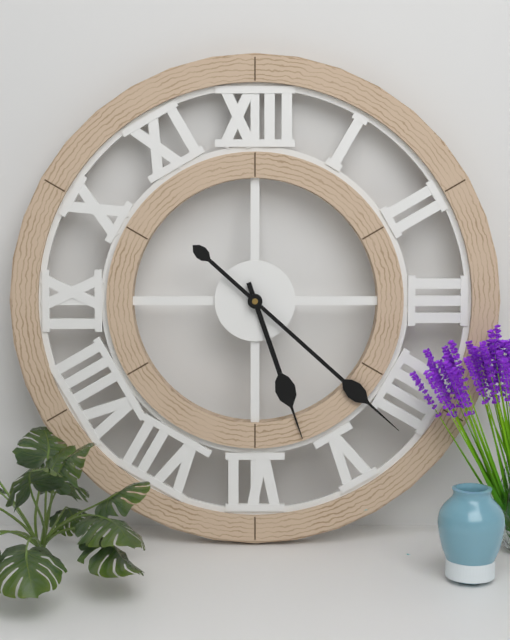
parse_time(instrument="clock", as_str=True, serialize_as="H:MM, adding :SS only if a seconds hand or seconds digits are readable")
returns 5:22
